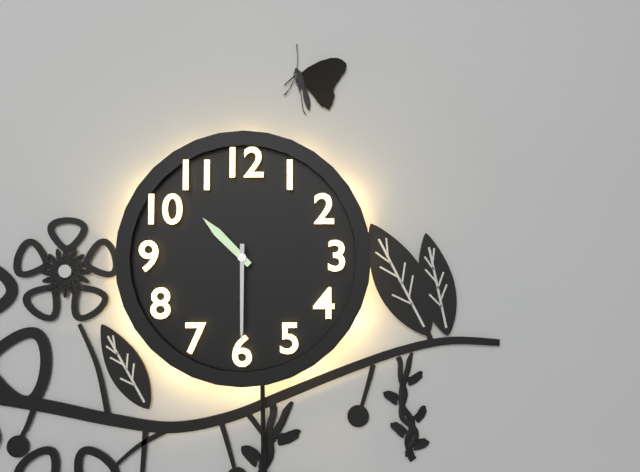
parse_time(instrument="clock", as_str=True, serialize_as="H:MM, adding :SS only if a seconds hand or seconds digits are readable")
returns 10:30
